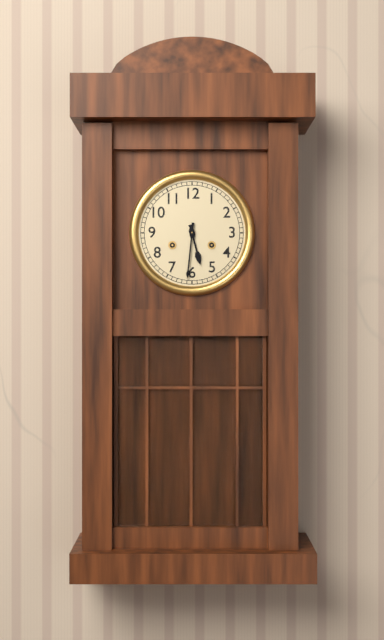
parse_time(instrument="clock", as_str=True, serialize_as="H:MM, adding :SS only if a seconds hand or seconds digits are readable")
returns 5:31
